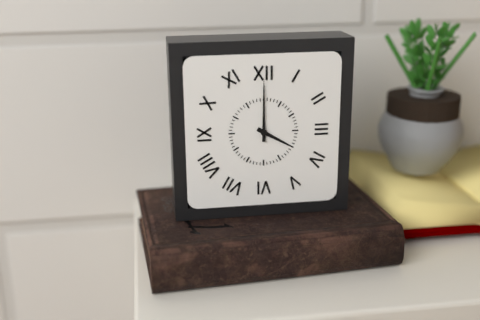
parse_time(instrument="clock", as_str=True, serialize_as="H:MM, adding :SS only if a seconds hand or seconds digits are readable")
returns 4:00
